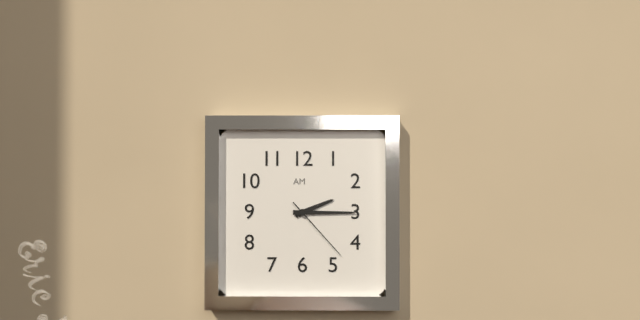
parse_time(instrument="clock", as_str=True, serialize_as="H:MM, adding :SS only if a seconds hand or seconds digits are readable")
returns 2:15:23
